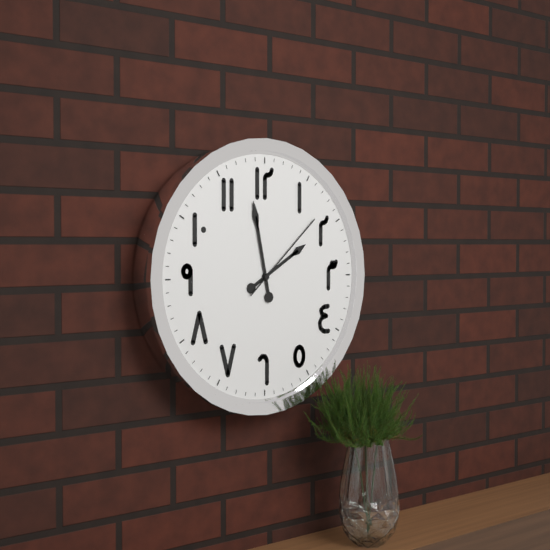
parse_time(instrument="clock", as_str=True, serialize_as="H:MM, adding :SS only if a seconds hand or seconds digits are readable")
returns 1:58:08
